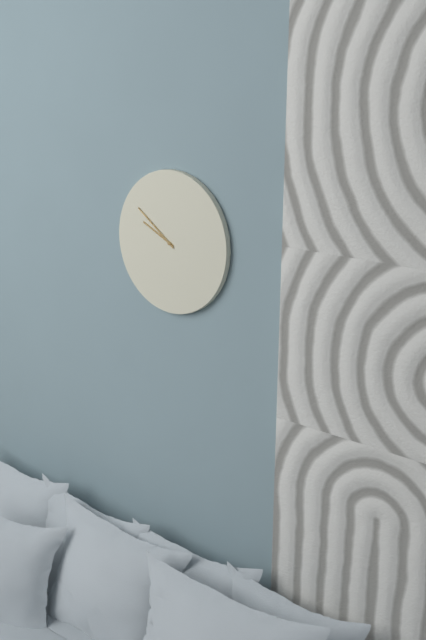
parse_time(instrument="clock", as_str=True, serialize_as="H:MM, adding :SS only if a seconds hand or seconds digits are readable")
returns 9:51
